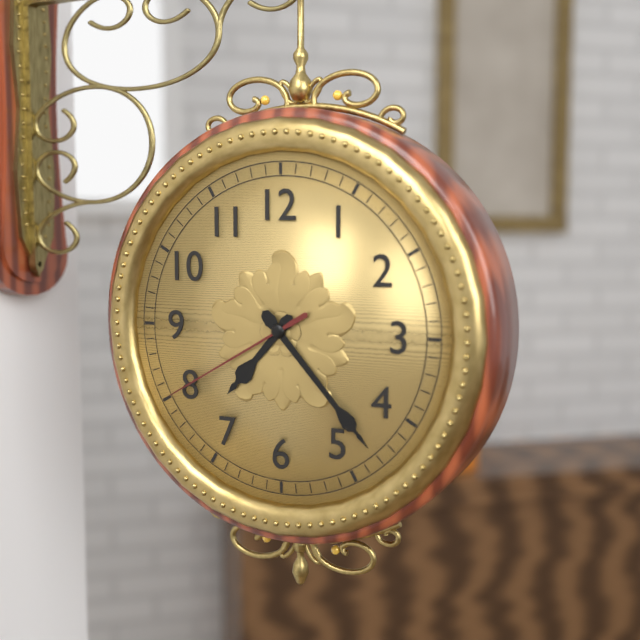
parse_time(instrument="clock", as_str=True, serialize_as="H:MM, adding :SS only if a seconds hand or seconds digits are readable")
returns 7:23:40
